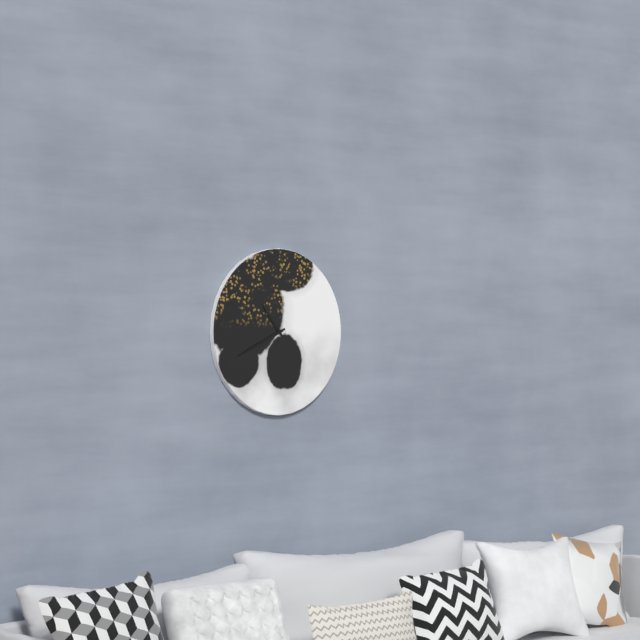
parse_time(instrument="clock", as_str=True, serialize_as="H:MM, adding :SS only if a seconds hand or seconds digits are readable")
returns 10:41
